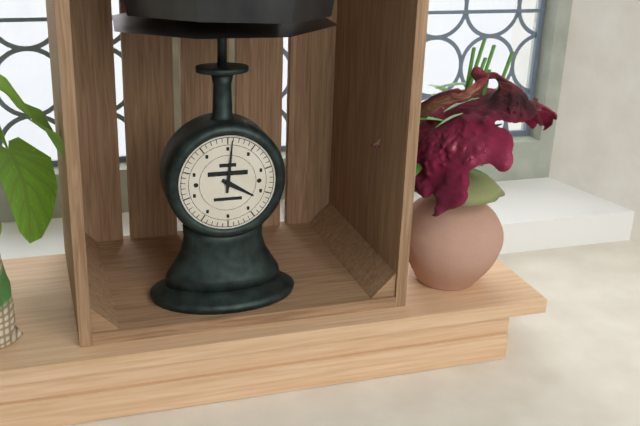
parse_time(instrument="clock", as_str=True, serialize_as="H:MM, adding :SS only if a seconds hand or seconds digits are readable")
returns 4:01
